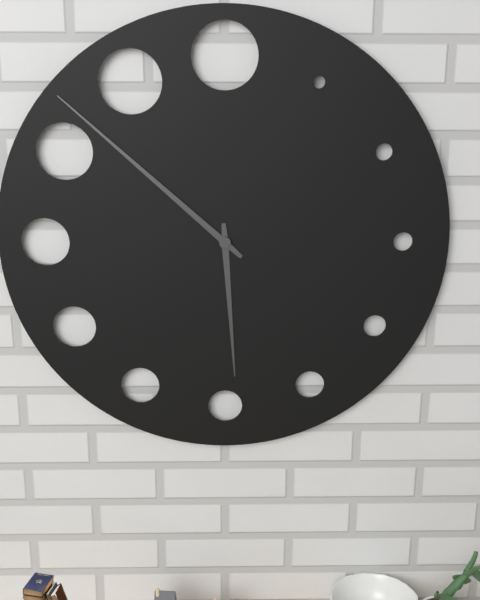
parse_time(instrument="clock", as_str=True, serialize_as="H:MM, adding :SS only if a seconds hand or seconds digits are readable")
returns 5:52
